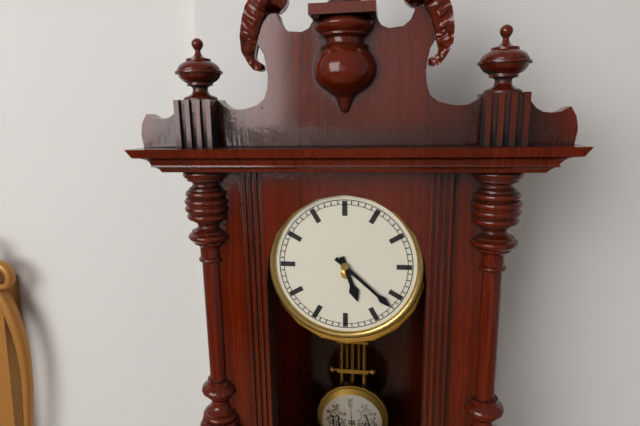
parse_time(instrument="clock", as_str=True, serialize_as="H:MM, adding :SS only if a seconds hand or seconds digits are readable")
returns 5:22
